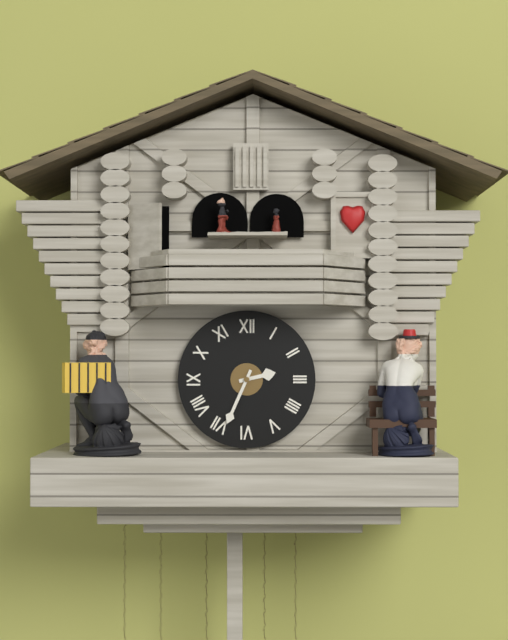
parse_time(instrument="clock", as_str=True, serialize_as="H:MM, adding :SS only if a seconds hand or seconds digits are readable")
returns 2:34
